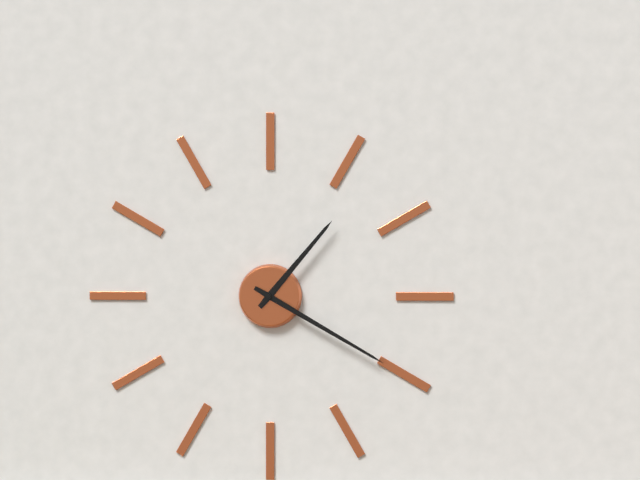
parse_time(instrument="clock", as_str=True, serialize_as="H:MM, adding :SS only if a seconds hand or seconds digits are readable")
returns 1:20
